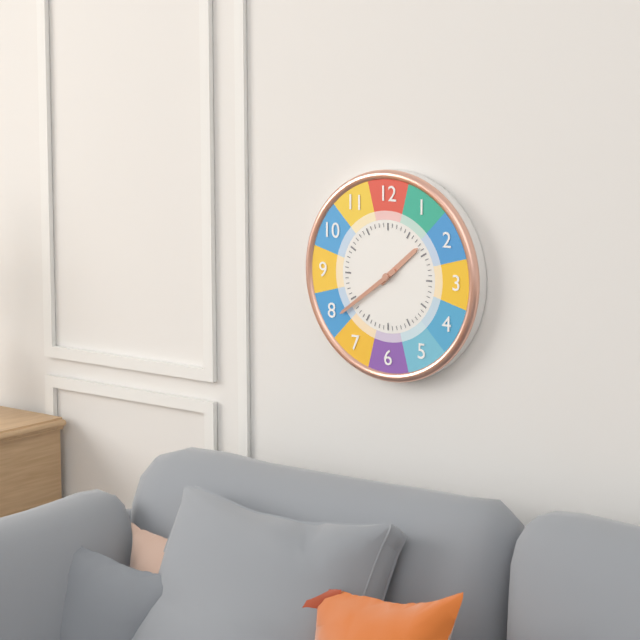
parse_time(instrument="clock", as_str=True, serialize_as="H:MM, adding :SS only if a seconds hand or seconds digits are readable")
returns 1:39
